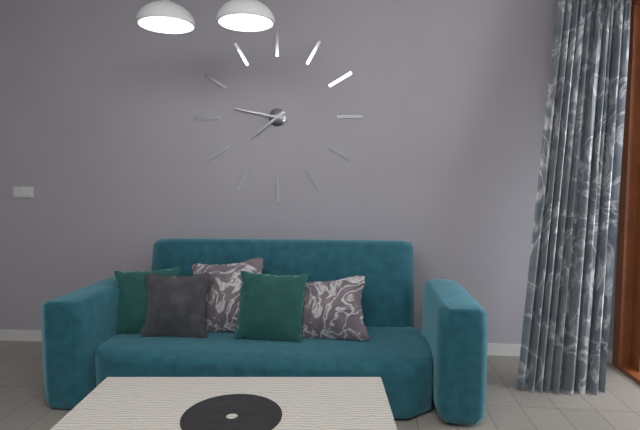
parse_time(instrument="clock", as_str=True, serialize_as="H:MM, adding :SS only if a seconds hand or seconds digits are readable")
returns 7:47
